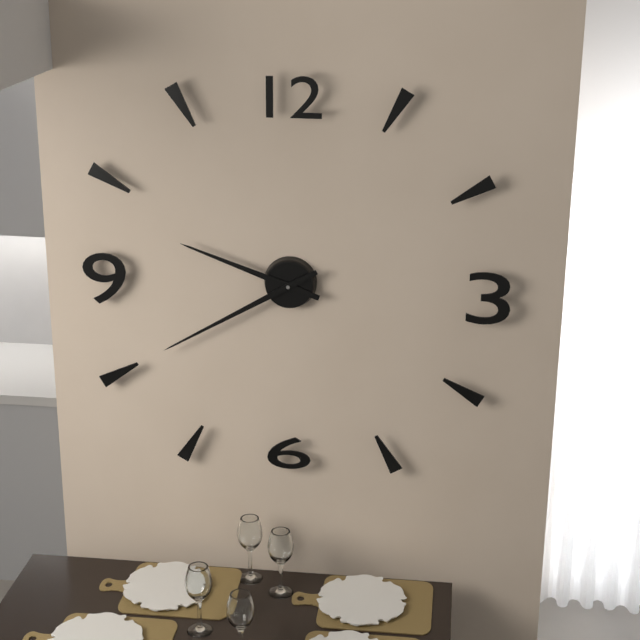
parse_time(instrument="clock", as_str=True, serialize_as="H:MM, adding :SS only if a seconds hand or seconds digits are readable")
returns 9:40
